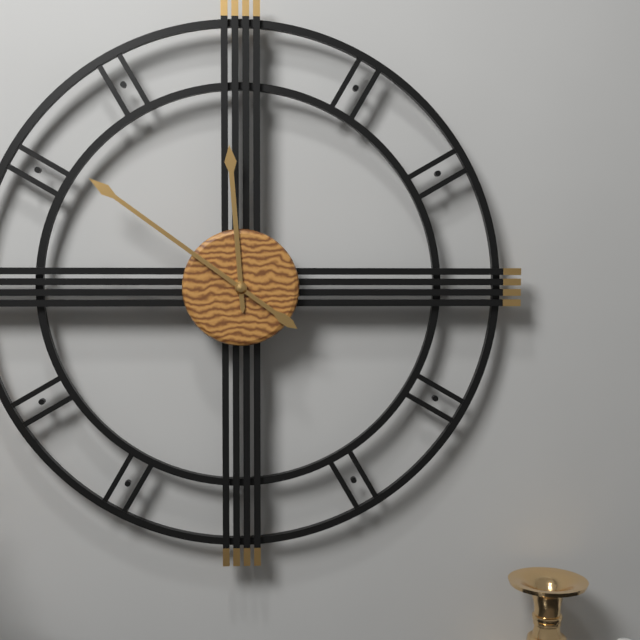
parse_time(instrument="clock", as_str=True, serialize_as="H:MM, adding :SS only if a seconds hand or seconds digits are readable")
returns 11:51
